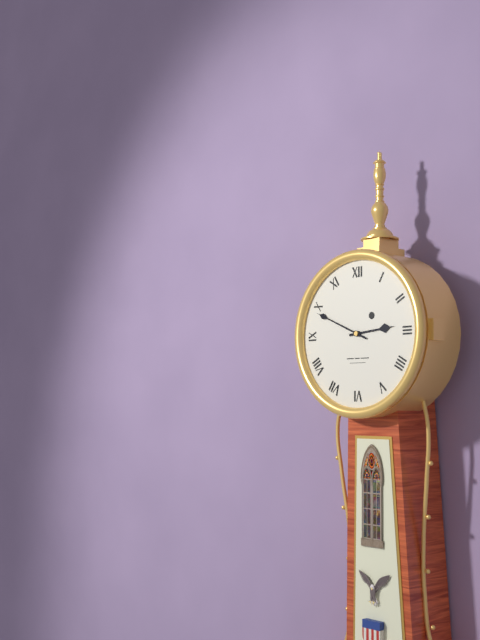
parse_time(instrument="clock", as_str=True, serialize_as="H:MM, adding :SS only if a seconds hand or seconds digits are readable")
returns 2:49
